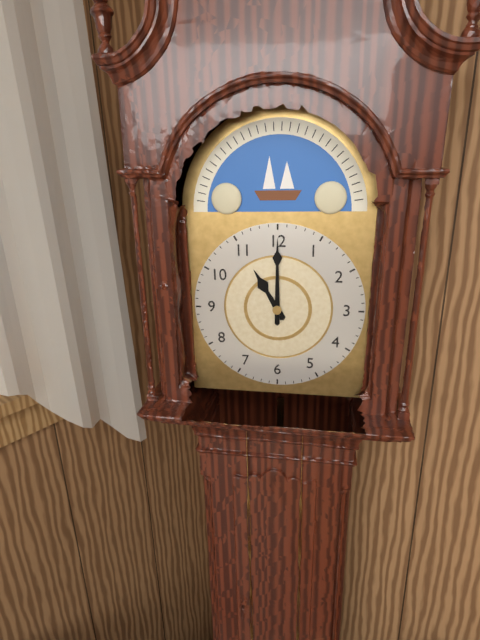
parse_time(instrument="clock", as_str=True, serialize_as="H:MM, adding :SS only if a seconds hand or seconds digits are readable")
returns 11:00
